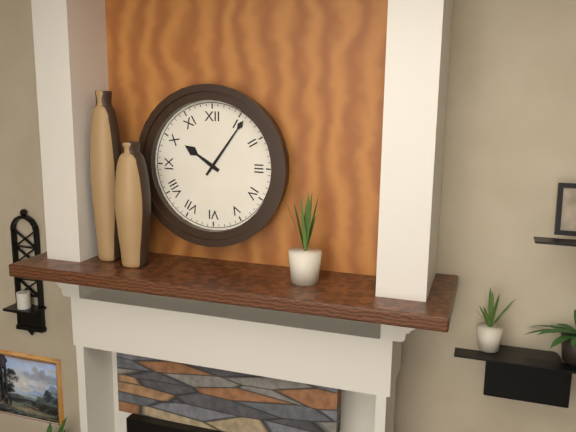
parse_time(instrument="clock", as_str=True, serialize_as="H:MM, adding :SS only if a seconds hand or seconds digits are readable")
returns 10:06
